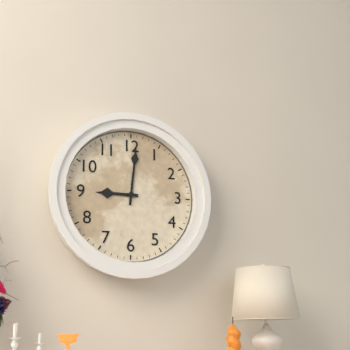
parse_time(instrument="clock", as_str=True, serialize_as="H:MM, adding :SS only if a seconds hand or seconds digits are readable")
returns 9:01
